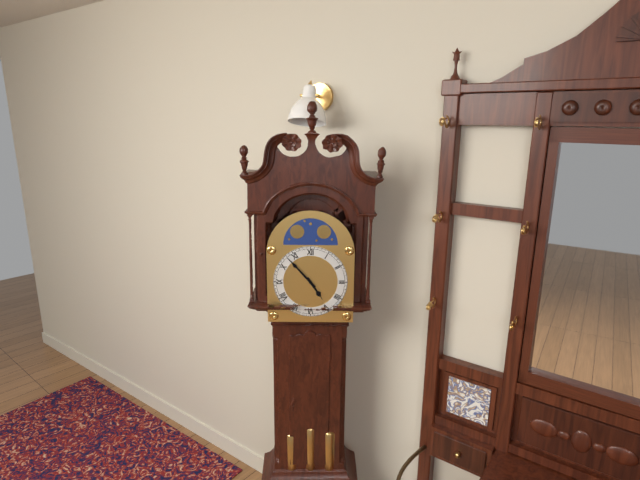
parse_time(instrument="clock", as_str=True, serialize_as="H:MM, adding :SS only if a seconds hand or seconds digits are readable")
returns 4:53
